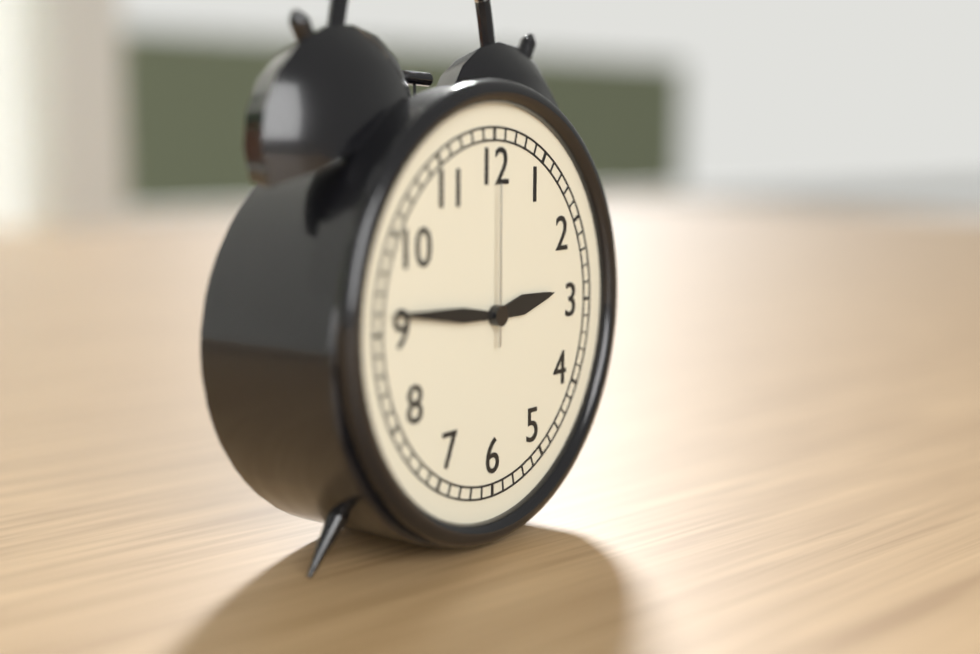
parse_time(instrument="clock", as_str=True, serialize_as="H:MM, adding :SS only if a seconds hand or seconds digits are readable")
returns 2:46:00
